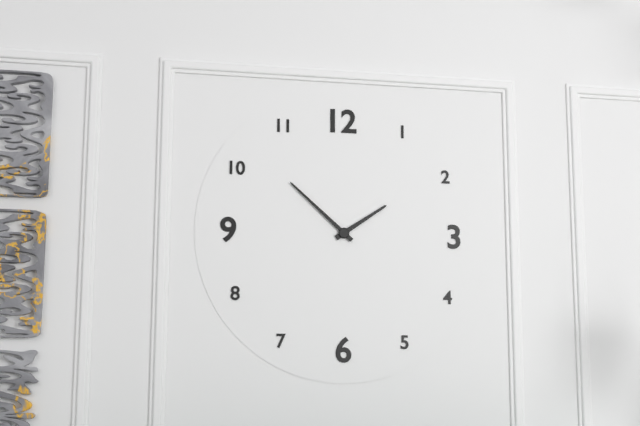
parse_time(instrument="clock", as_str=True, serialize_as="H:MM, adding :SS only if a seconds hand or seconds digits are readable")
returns 1:52
